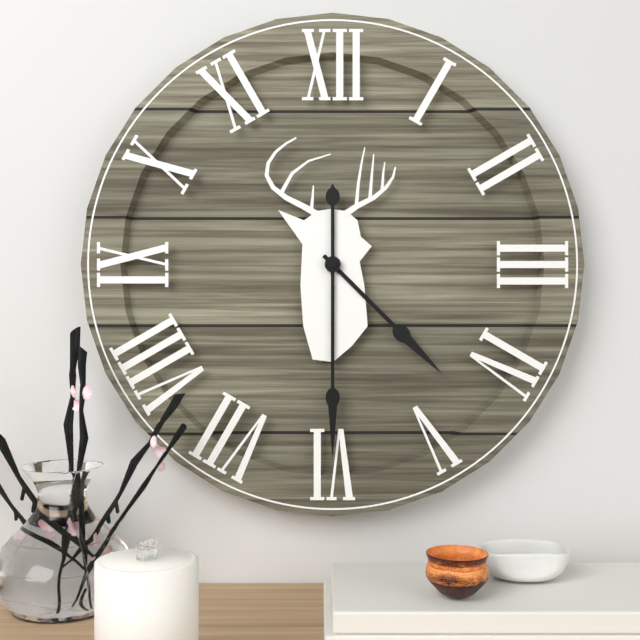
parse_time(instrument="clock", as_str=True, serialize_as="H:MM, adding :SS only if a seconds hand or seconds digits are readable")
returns 4:30
